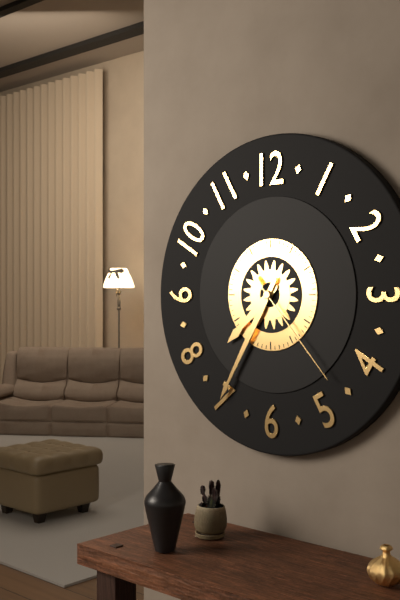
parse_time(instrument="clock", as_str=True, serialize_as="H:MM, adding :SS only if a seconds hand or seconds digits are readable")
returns 7:35:23
